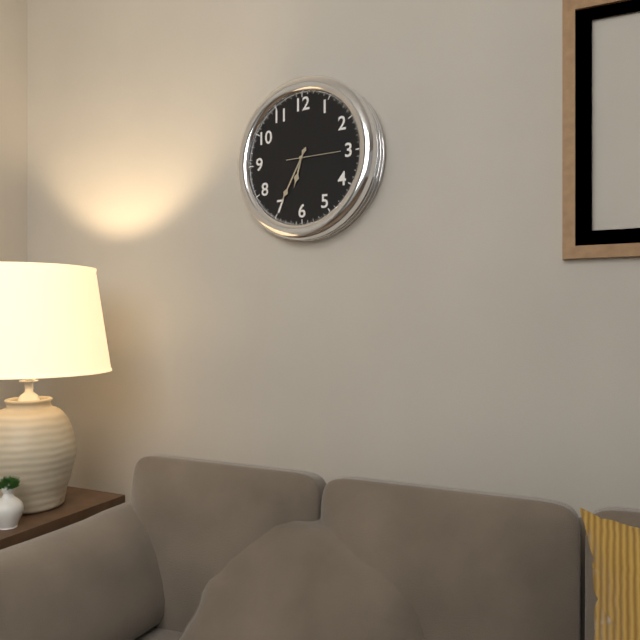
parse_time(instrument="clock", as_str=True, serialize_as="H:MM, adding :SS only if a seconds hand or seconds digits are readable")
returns 6:35
